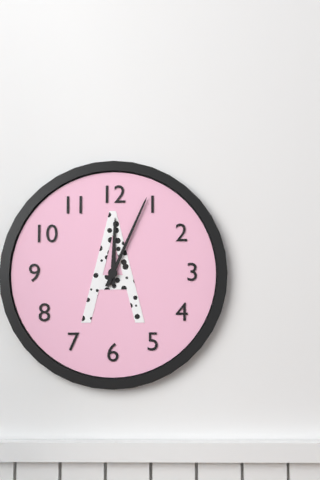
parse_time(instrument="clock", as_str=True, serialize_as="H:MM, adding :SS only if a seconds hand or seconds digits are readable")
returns 12:04
